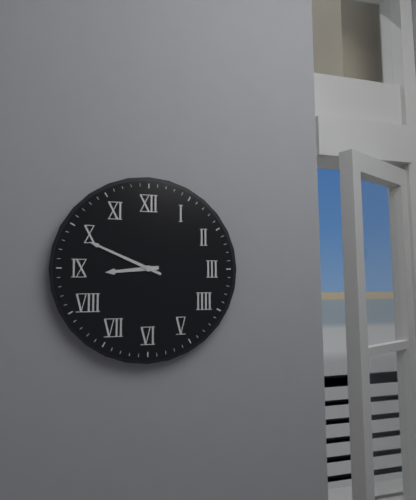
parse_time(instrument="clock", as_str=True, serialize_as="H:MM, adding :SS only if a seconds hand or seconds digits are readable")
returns 8:49
